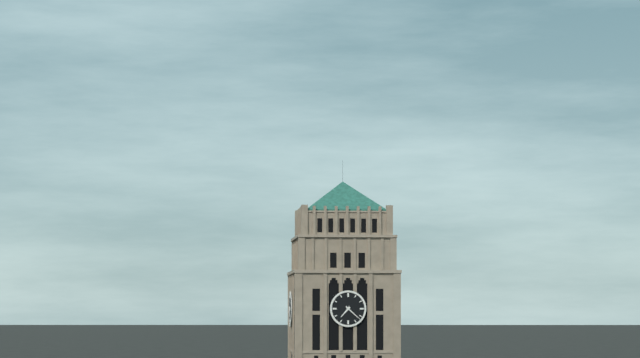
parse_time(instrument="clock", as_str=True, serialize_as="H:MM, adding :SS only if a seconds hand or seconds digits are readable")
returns 7:22
